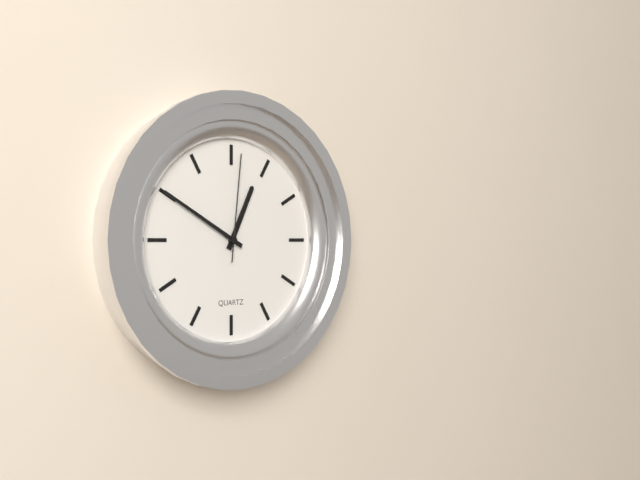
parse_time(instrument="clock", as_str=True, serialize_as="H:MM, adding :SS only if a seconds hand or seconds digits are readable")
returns 12:50:01
